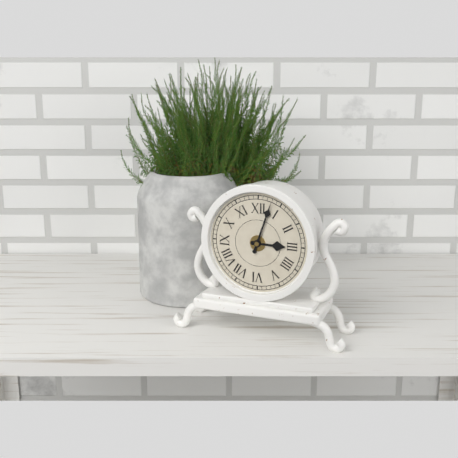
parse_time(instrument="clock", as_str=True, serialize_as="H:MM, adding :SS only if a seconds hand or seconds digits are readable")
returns 3:03
